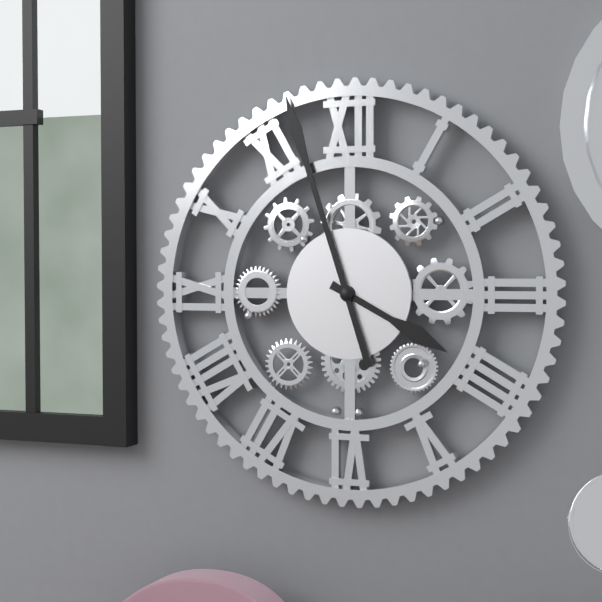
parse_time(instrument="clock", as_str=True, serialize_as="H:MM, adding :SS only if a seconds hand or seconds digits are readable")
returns 3:57
